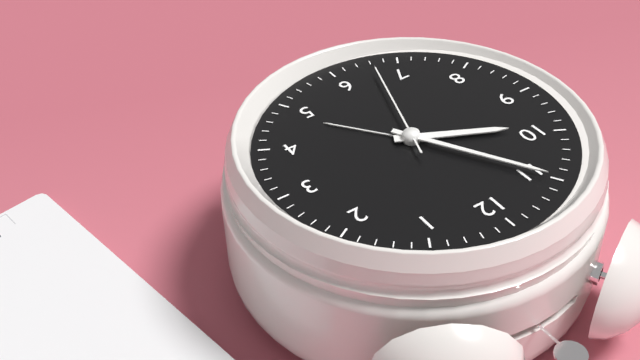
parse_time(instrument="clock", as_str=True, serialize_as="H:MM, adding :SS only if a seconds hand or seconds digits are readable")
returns 9:55:33
